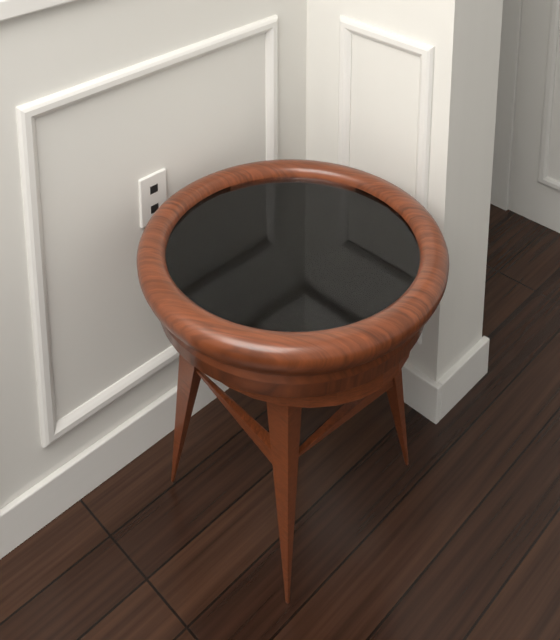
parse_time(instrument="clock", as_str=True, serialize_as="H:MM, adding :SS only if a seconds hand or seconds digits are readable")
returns 6:24
